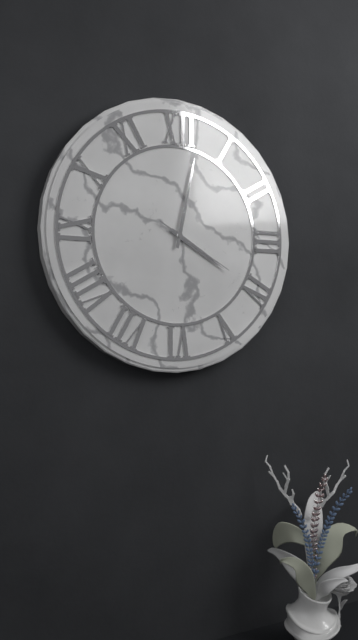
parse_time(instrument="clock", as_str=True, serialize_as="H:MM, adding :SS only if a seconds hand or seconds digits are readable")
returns 4:02:20
